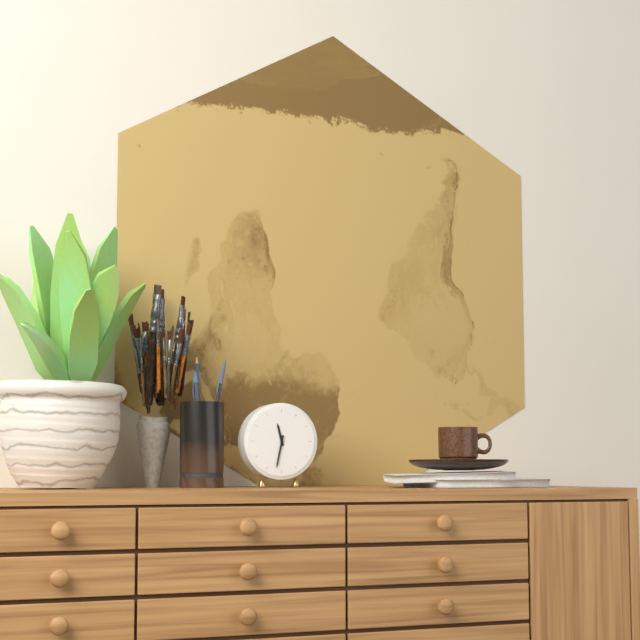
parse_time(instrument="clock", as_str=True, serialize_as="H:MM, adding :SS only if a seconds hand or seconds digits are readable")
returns 11:32
